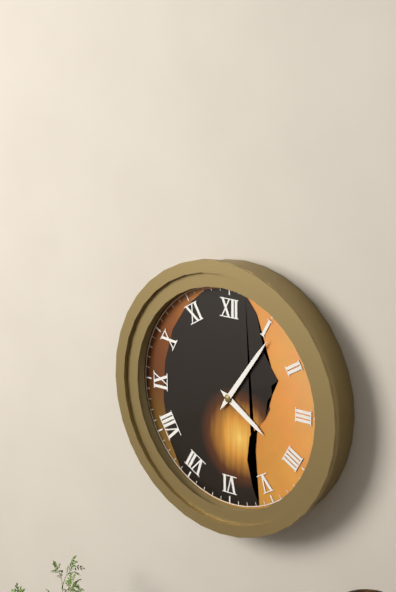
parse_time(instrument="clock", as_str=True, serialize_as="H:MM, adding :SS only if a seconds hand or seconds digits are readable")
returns 4:06
